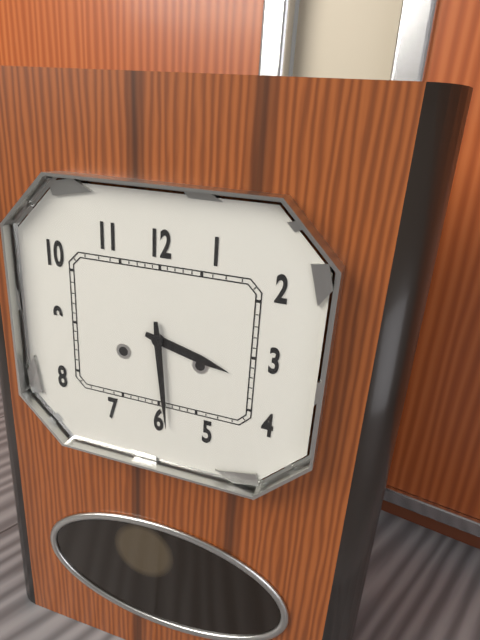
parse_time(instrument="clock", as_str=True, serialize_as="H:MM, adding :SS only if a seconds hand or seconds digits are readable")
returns 3:29
